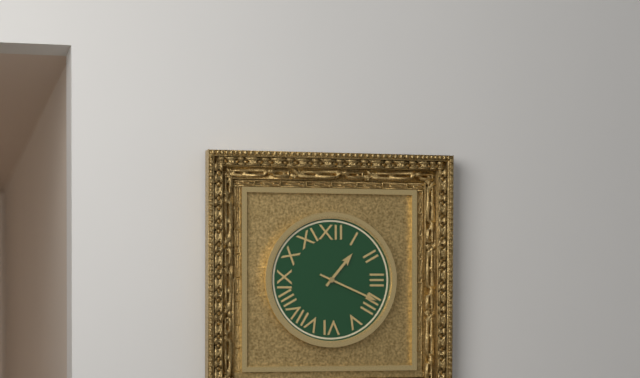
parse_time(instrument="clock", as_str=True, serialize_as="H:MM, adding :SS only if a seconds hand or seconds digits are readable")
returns 1:19
